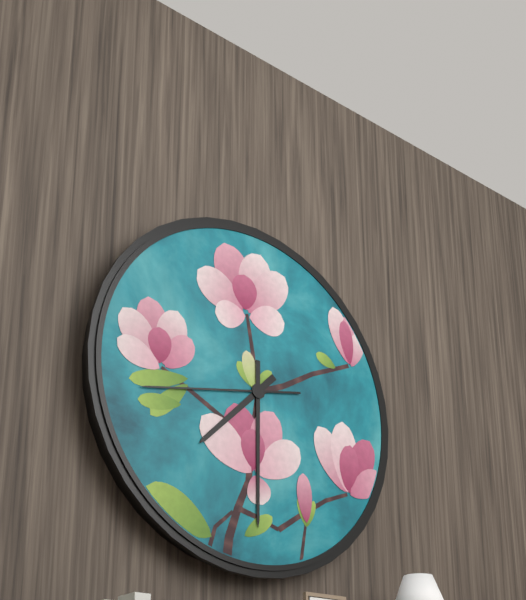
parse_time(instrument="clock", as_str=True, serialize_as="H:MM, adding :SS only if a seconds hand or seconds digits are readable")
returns 7:30:43
